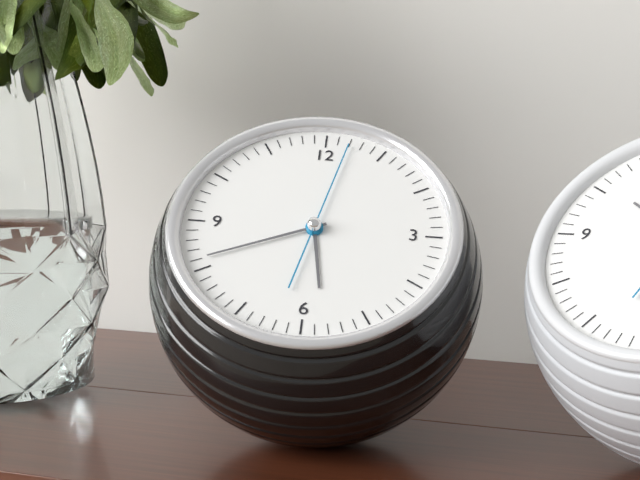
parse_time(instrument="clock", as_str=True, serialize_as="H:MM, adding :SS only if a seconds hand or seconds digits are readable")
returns 5:41:02
